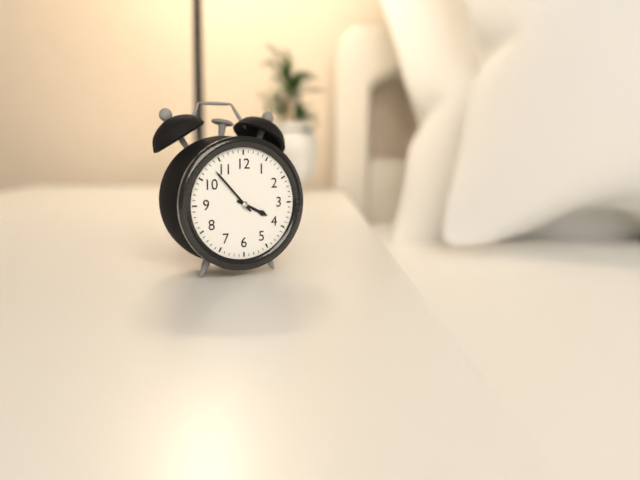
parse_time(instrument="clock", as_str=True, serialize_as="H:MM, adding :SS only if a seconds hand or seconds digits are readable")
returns 3:53
